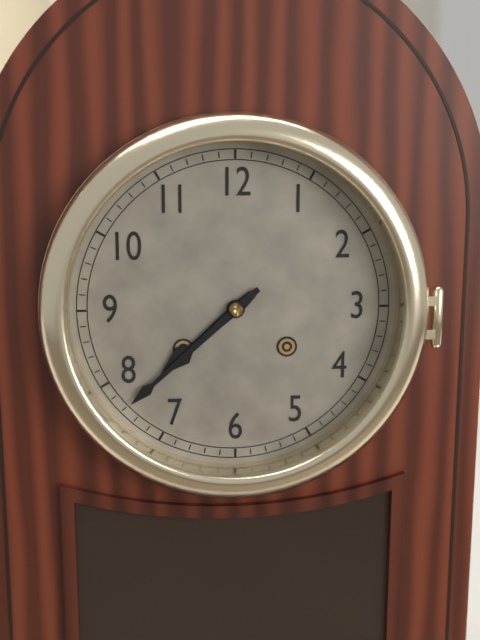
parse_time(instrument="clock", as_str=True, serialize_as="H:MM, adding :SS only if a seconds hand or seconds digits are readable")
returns 7:38
